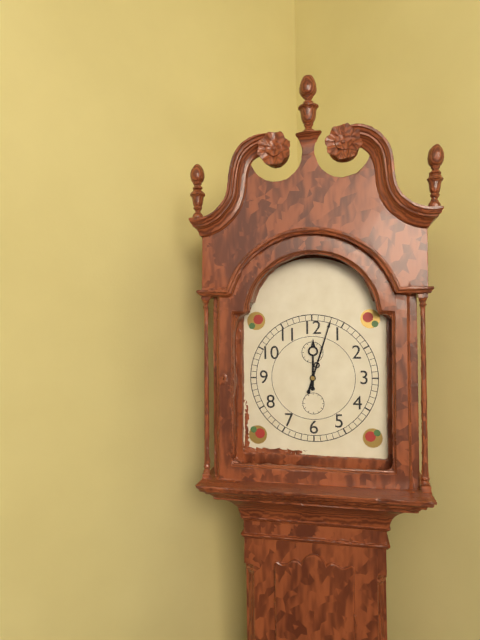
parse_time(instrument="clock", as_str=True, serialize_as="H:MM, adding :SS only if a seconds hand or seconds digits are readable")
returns 12:03
